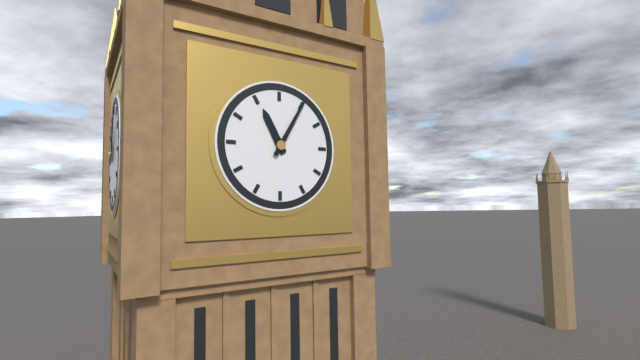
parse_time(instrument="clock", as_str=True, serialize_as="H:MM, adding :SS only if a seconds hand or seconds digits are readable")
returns 11:05
